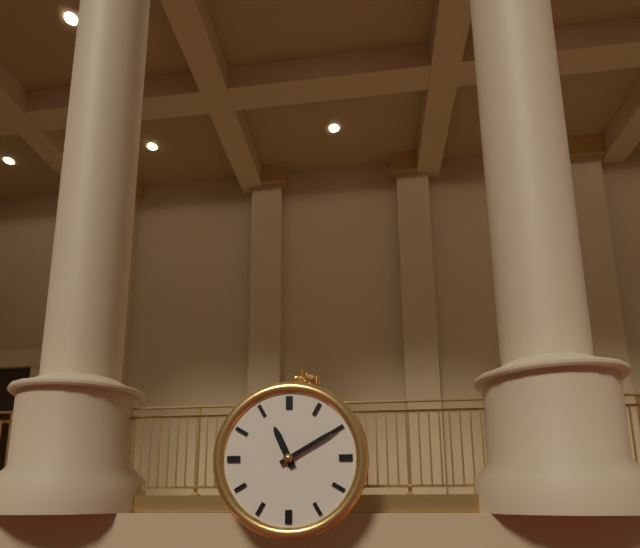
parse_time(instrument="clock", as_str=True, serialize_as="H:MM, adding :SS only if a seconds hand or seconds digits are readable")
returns 11:10
